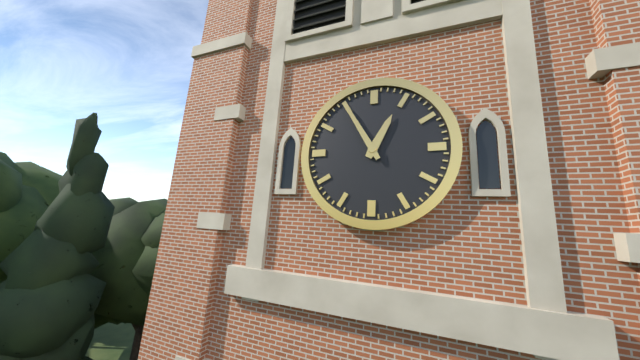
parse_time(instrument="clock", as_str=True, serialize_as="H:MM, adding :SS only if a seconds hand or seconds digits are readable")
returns 12:55
